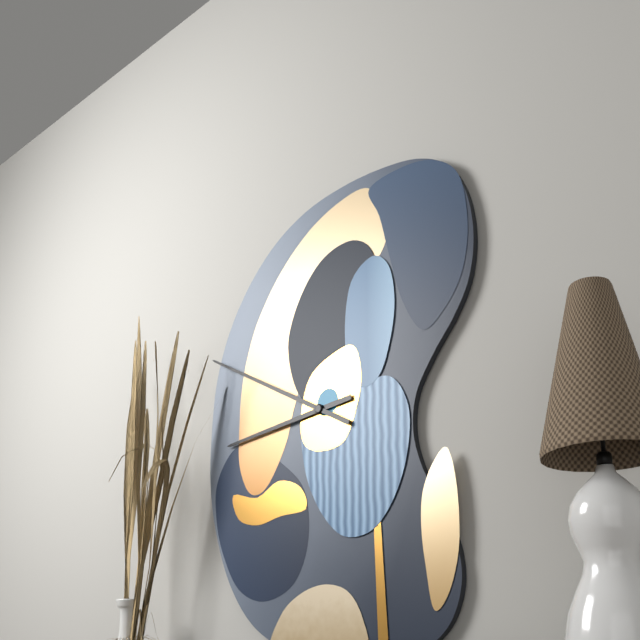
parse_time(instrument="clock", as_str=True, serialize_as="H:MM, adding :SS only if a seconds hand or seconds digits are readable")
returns 8:50
